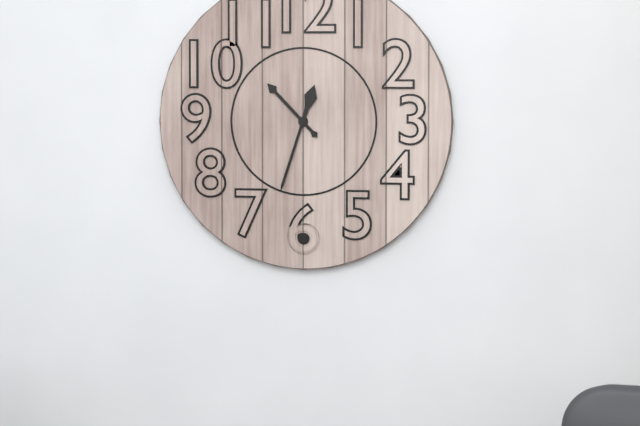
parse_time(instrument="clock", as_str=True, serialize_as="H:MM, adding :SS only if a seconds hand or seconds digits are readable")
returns 10:33
